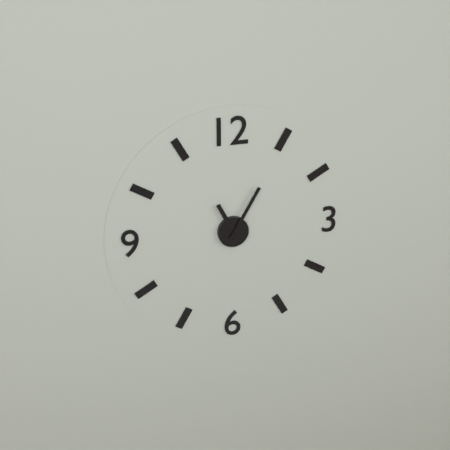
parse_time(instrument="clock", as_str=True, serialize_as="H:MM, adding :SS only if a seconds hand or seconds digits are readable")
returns 11:05
